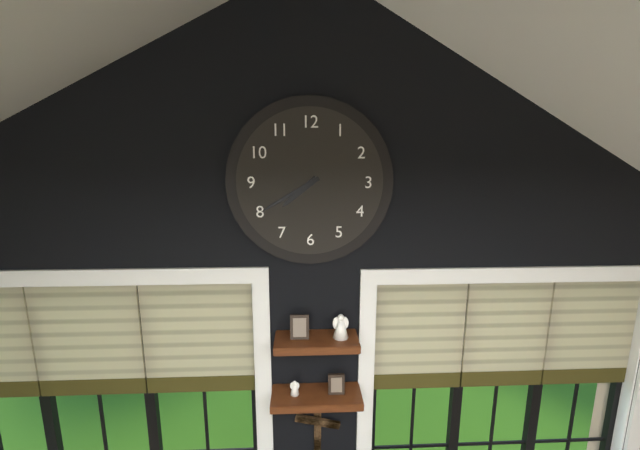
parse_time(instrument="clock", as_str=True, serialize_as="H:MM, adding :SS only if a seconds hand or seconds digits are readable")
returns 7:40
